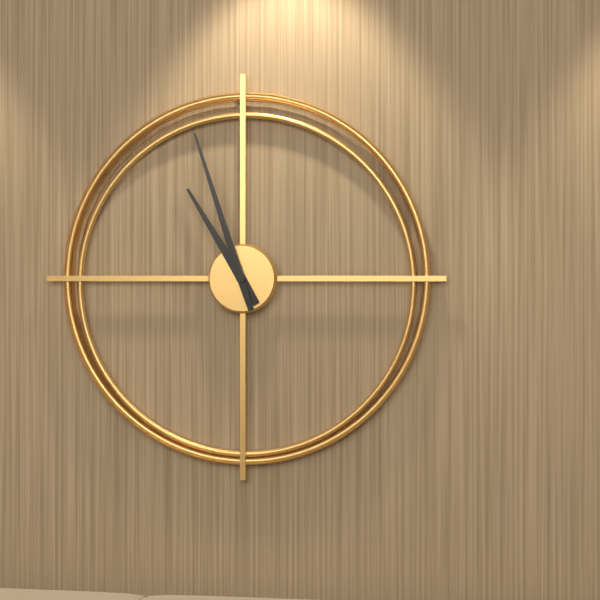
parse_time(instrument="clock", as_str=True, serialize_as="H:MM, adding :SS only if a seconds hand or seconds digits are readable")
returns 10:57
